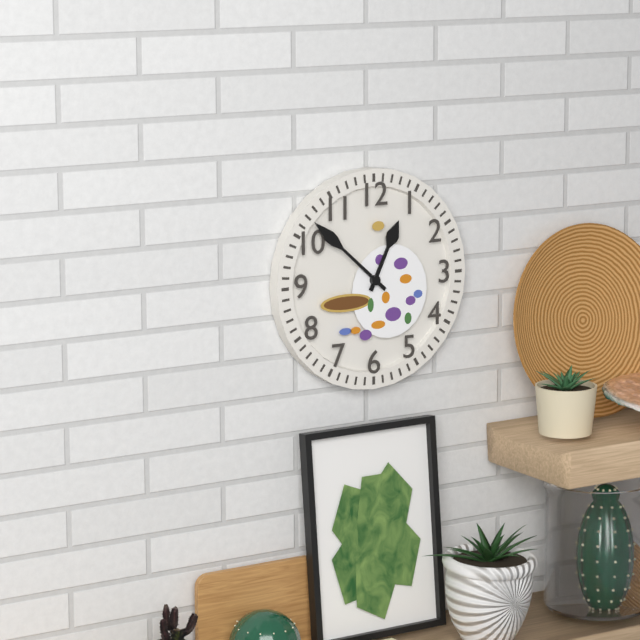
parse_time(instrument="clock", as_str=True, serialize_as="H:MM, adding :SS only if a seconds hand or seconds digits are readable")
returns 12:52
